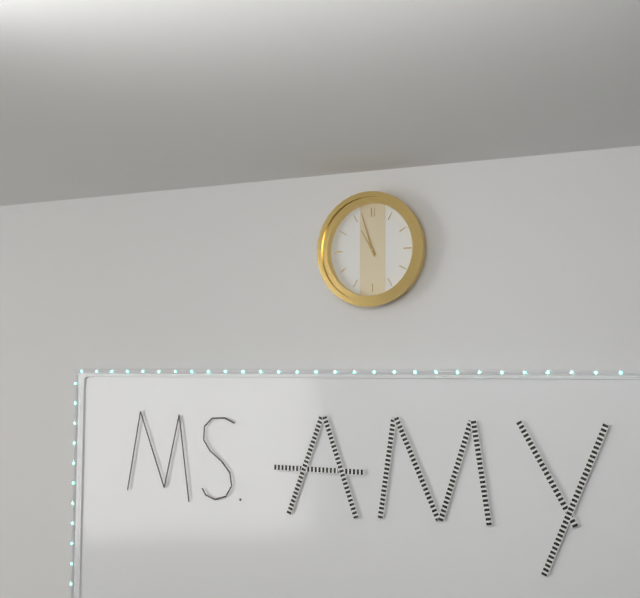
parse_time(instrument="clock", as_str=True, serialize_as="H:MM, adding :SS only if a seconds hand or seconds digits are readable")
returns 10:57
